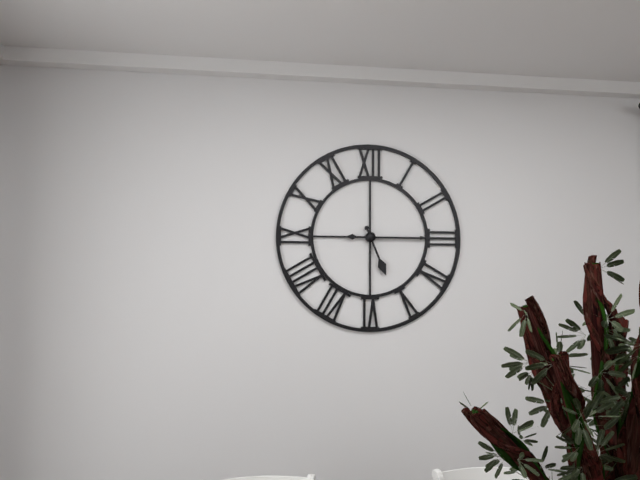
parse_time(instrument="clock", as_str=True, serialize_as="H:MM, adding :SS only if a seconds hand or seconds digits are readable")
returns 5:15
